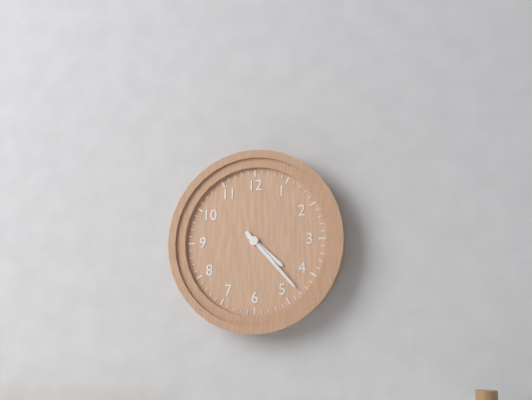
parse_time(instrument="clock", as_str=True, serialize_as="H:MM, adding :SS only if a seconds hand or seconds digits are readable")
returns 4:23
